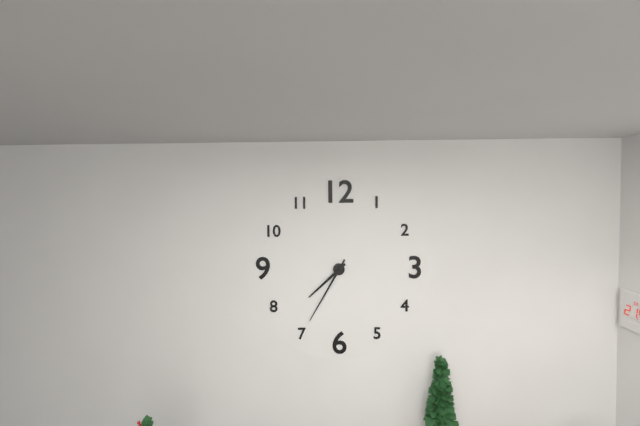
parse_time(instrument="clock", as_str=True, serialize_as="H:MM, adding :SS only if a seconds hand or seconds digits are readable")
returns 7:35
